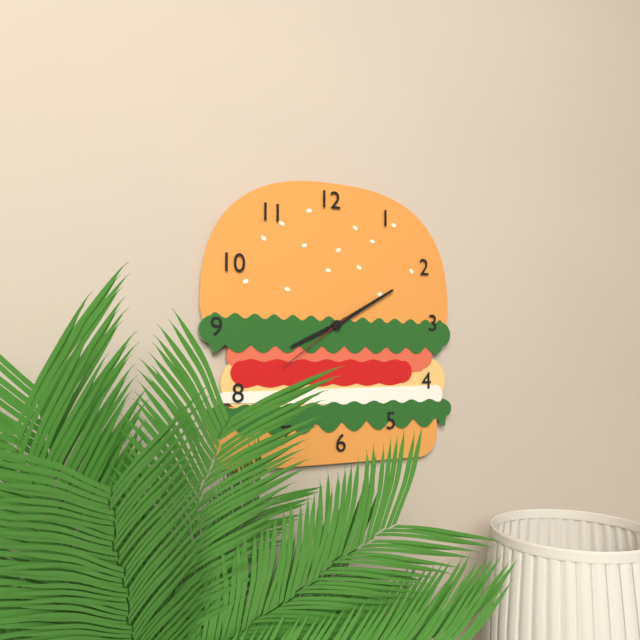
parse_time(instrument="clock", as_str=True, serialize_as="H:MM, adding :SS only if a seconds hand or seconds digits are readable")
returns 8:10:39
